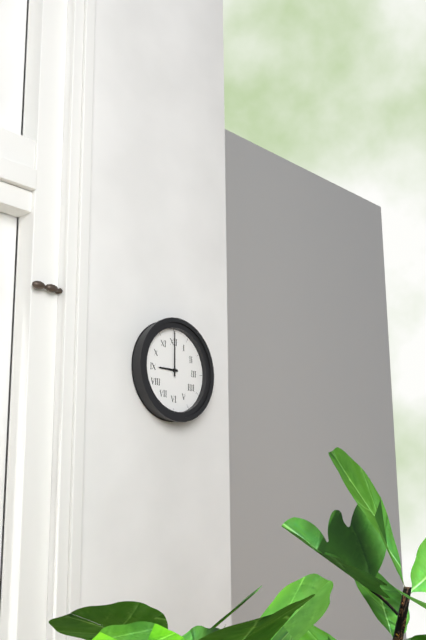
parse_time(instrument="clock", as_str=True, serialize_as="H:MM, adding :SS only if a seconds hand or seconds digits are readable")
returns 9:00
